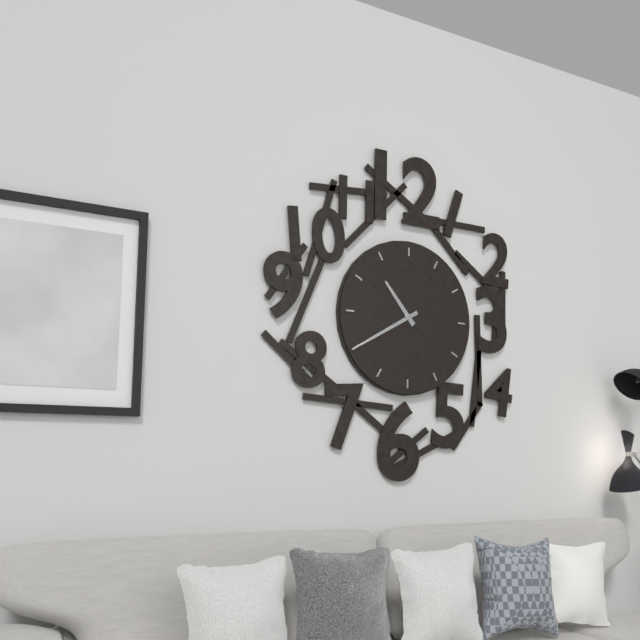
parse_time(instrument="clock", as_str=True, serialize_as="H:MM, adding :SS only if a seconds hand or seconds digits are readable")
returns 10:40
